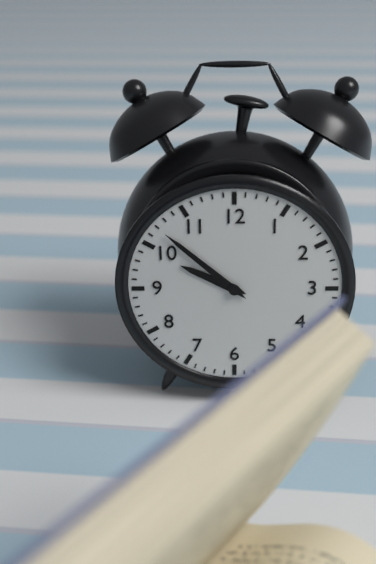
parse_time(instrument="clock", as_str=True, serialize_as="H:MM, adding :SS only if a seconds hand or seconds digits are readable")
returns 9:52
